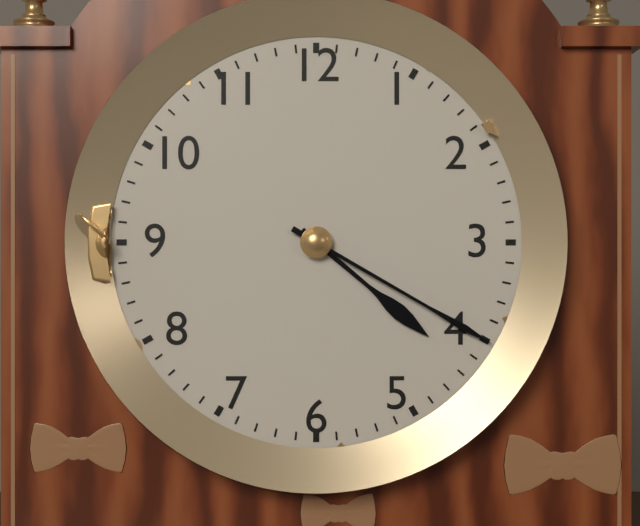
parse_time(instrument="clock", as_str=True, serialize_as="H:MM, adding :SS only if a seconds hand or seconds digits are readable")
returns 4:20
